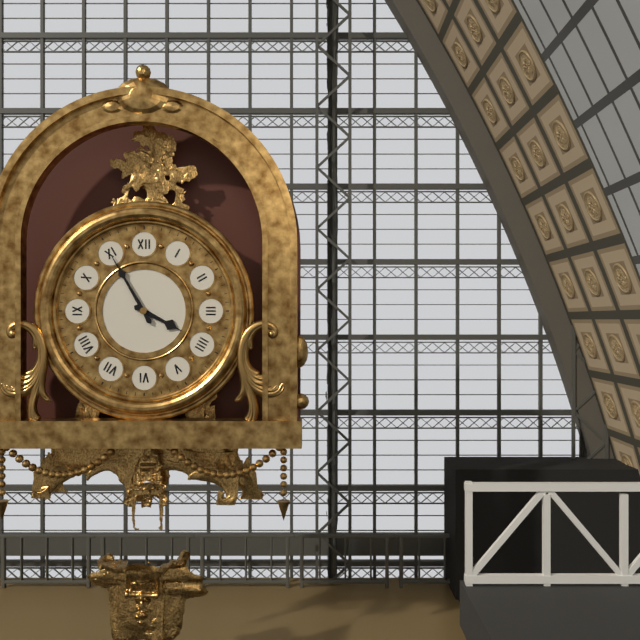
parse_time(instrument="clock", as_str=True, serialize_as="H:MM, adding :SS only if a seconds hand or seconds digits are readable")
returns 3:55
